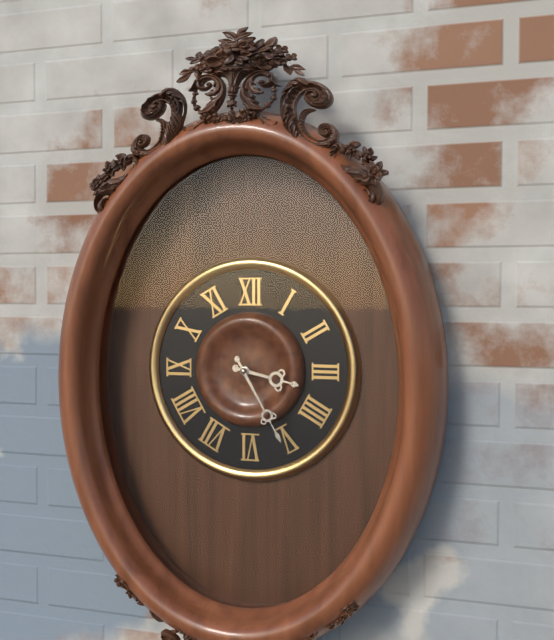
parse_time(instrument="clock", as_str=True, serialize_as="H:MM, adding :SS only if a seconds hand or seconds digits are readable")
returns 3:25
